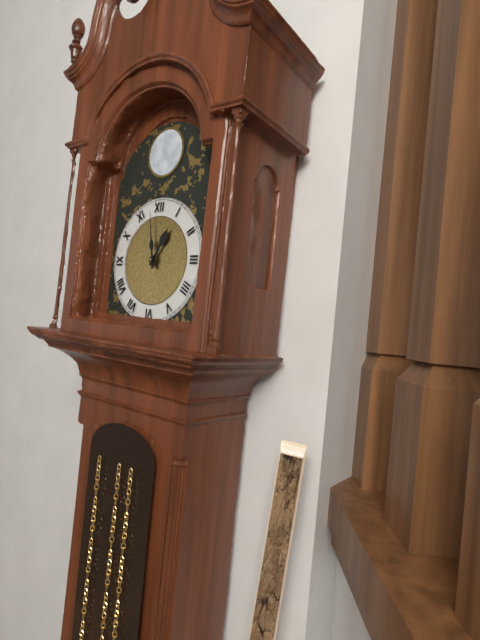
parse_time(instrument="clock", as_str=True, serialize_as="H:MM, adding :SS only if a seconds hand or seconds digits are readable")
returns 12:58
